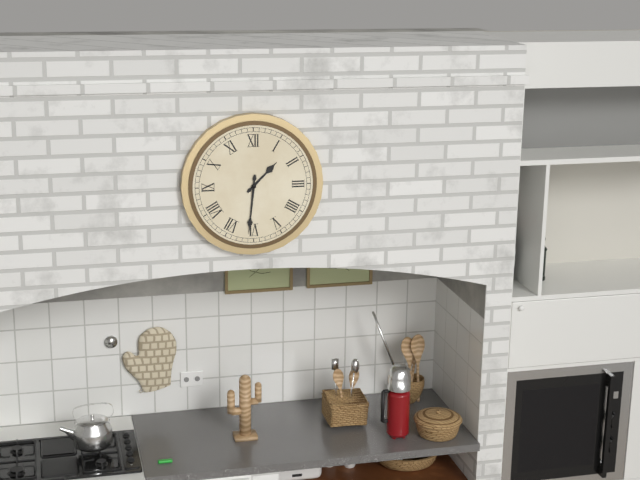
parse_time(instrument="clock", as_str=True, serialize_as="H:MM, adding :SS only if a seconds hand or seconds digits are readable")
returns 1:31
